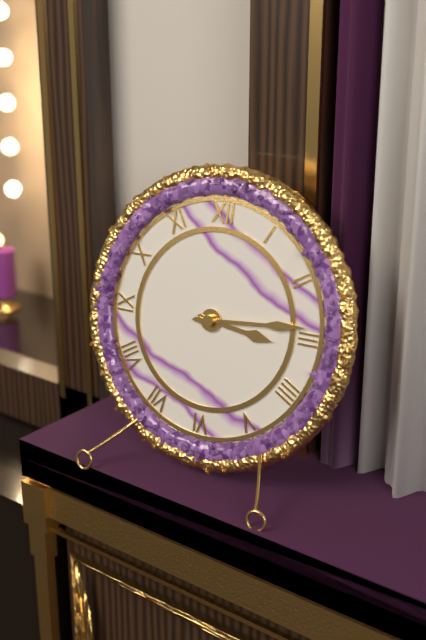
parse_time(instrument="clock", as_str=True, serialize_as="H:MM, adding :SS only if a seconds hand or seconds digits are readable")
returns 3:14
